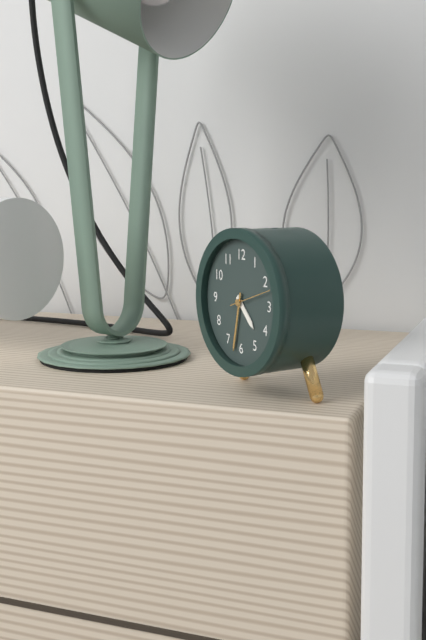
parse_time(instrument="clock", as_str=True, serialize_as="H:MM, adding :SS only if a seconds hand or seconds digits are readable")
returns 4:32
